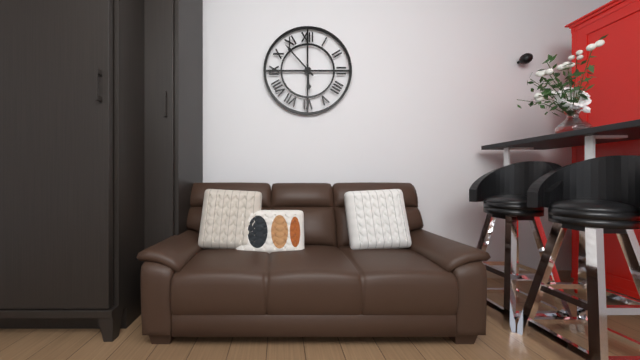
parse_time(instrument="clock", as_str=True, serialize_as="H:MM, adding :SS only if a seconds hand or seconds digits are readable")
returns 5:53
